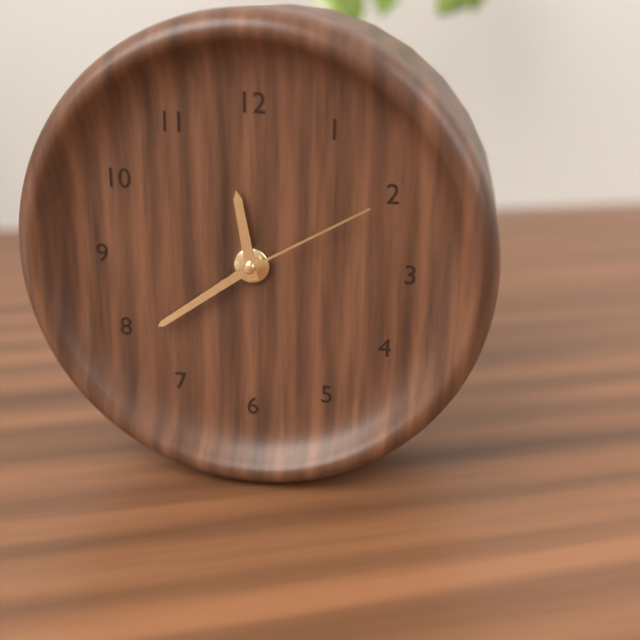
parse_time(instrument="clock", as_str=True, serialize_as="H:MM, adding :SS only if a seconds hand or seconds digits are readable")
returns 11:39:10
